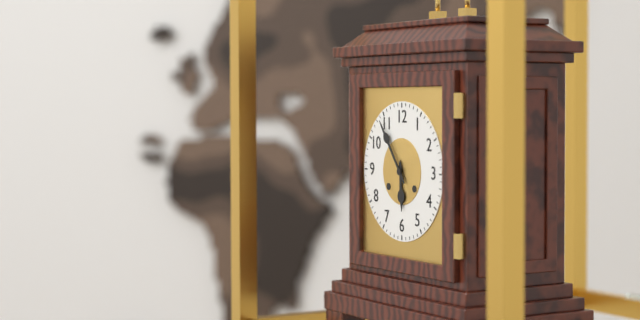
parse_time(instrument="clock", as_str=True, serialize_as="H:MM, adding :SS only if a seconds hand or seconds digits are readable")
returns 5:54
